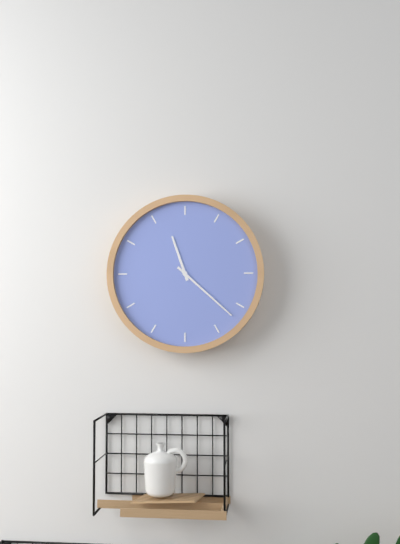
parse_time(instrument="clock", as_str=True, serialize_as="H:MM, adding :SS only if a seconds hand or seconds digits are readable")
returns 11:22
